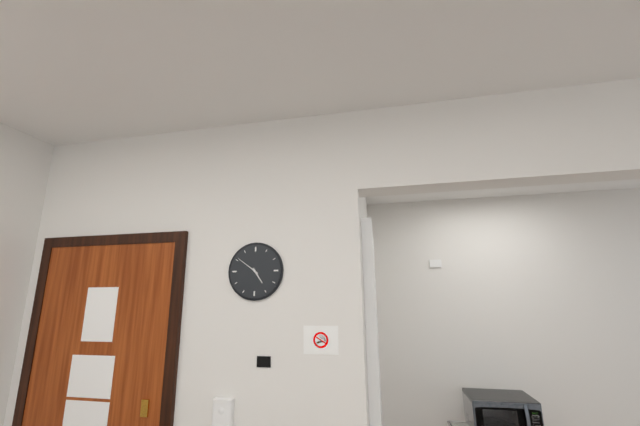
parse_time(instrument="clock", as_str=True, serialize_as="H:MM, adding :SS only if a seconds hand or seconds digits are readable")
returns 4:51
